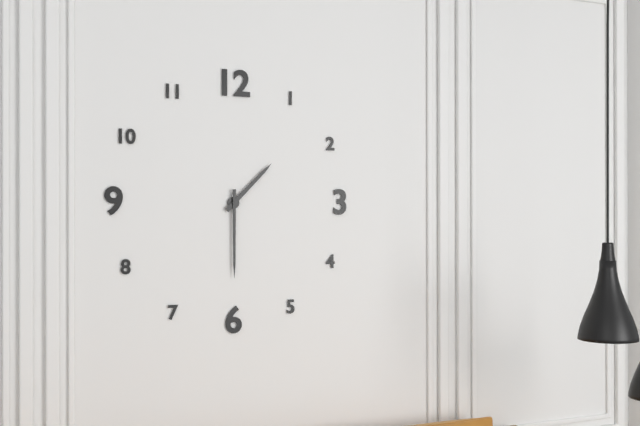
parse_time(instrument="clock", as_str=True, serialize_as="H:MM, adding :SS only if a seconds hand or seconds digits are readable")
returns 1:30
